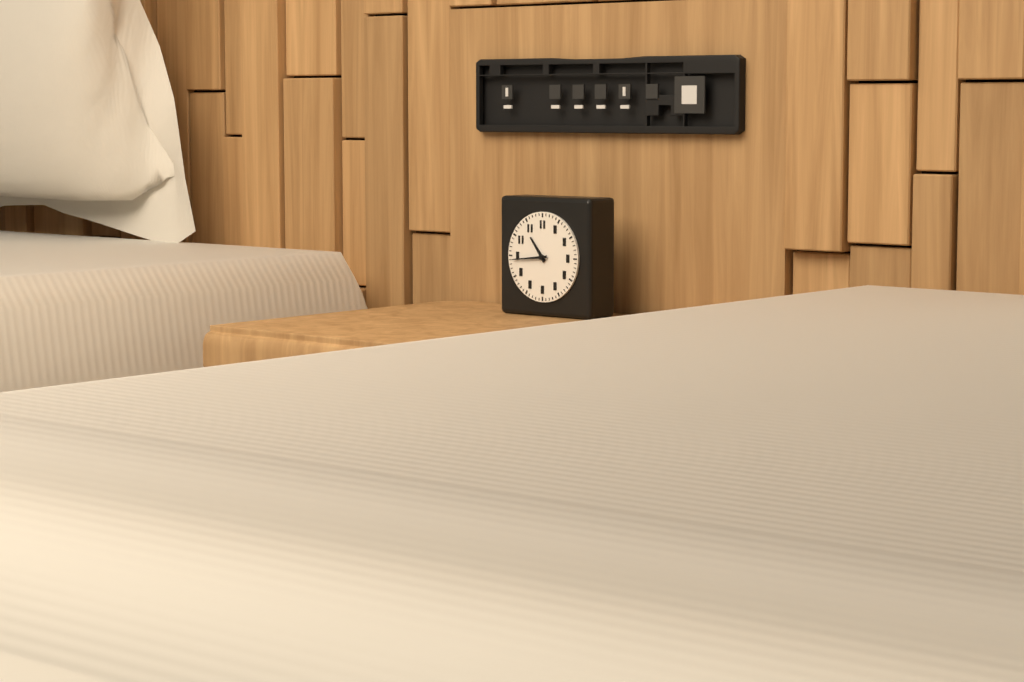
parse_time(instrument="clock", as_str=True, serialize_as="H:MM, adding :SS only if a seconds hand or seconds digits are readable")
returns 10:44
